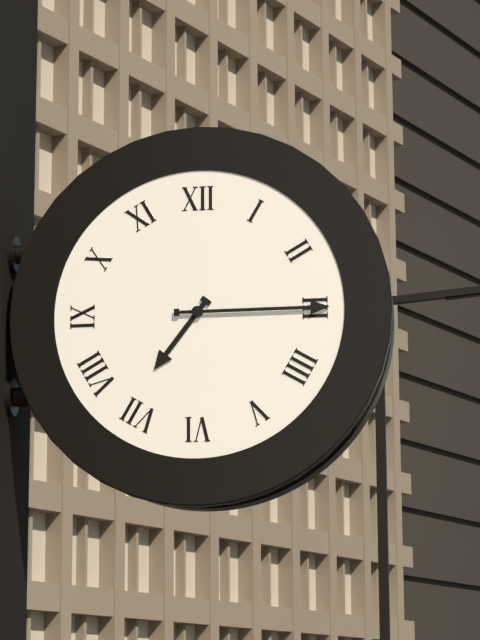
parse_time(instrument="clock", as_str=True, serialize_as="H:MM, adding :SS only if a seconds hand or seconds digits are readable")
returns 7:15
